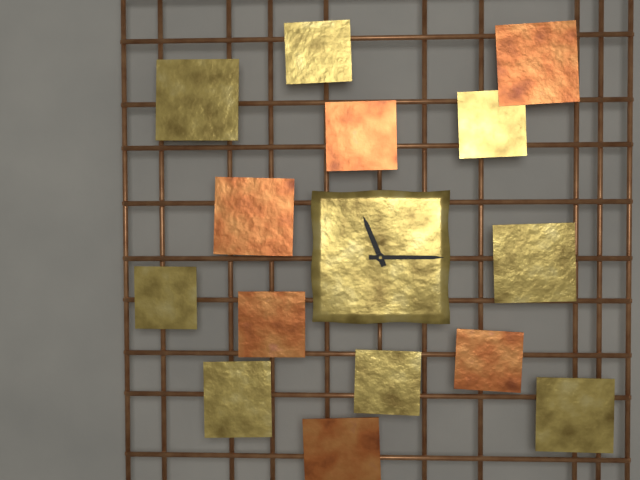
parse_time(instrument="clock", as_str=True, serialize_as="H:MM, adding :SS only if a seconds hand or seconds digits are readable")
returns 11:15
